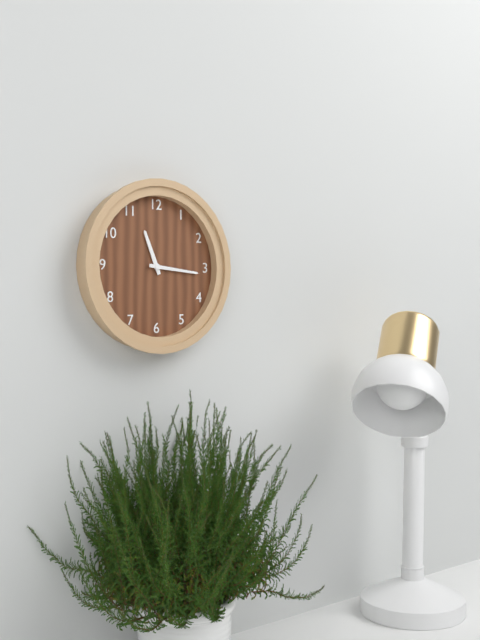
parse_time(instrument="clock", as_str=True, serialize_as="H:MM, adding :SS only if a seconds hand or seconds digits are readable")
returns 11:16
